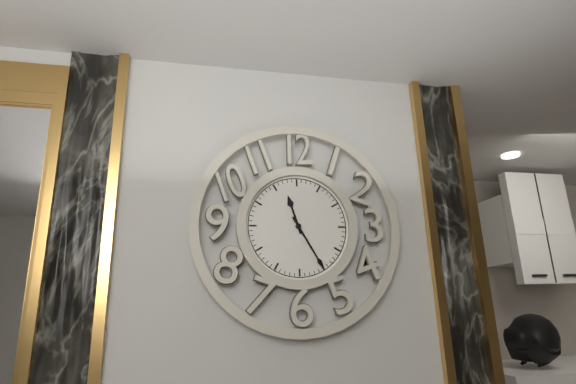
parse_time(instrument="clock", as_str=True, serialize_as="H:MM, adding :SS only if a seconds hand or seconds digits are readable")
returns 11:25
